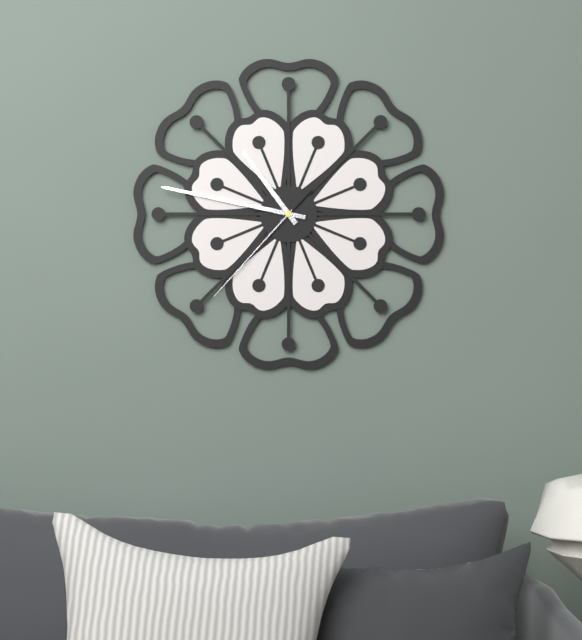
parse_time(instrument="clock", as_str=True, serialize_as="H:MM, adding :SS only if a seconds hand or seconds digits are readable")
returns 10:47:37
